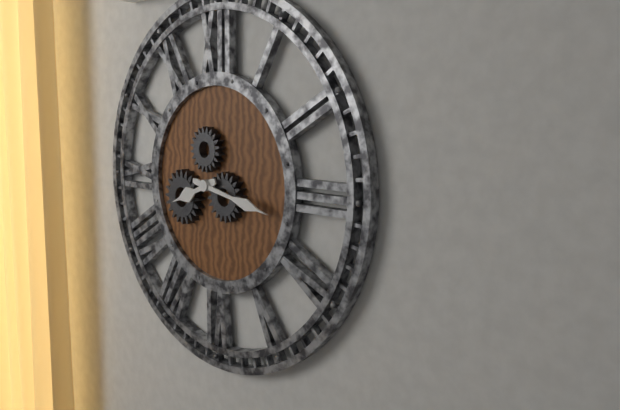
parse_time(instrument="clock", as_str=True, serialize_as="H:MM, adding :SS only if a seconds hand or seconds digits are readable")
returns 8:17
